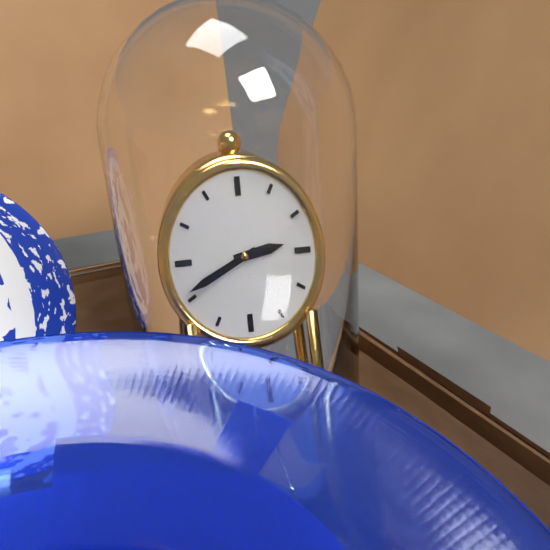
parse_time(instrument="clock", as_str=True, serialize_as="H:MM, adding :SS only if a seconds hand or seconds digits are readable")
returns 2:41
